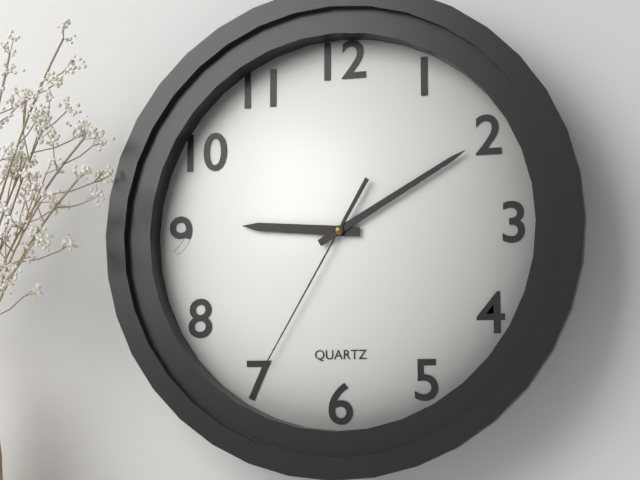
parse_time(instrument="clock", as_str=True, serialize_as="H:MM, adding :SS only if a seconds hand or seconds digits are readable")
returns 9:10:35
